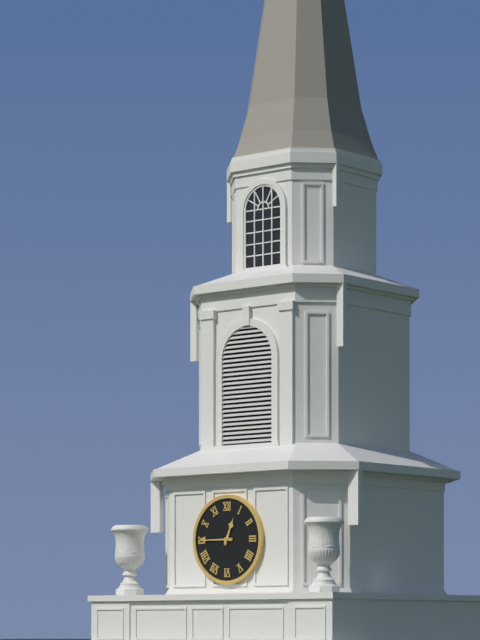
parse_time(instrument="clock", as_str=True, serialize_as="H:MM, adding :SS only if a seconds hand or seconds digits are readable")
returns 12:45
